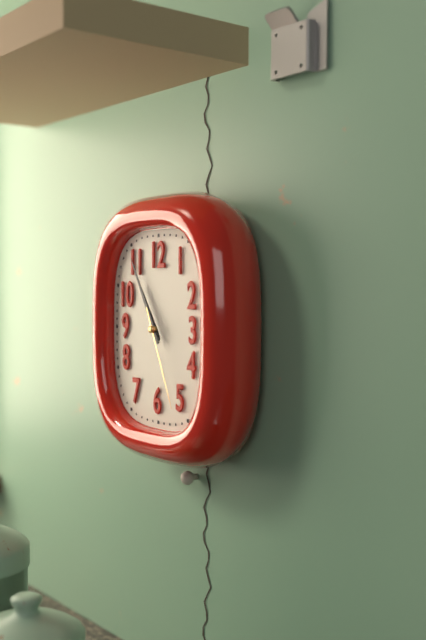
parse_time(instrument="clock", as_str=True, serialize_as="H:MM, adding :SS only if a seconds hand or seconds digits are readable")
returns 10:55:26
